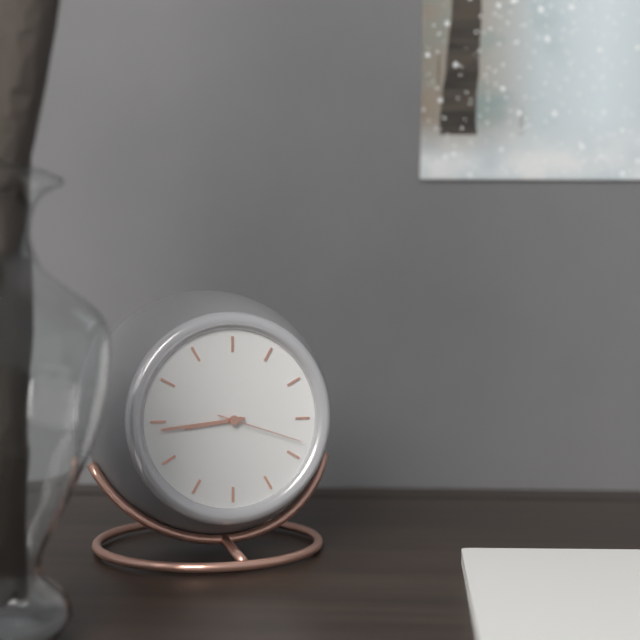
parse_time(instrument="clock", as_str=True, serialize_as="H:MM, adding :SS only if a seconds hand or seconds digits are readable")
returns 8:44:18
